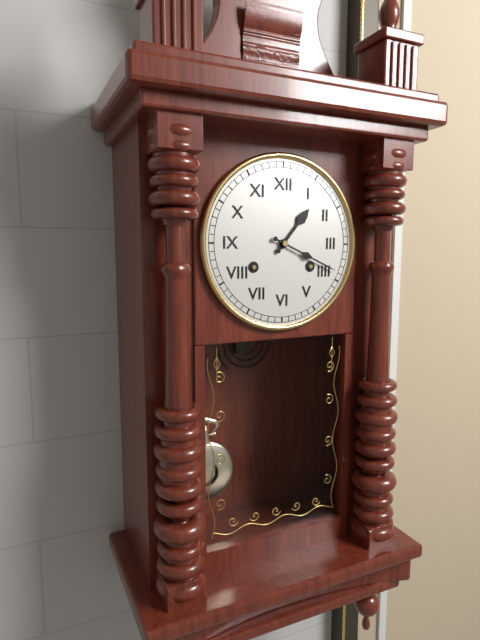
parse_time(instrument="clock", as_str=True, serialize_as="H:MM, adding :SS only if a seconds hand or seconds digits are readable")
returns 1:19
